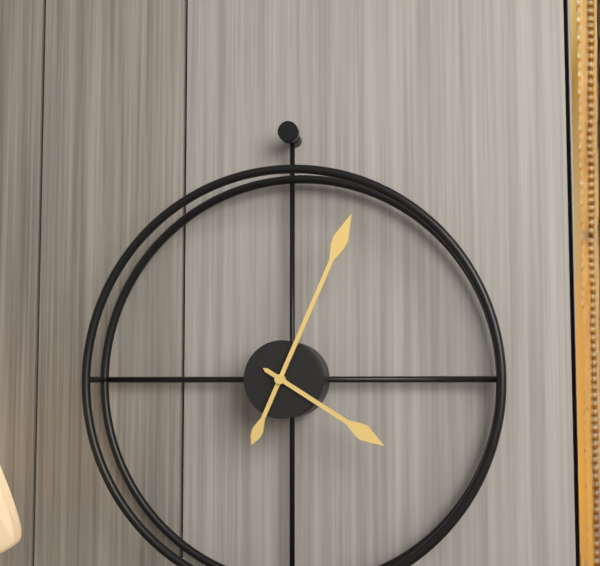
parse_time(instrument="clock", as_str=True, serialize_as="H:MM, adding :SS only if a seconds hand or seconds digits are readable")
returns 4:04
